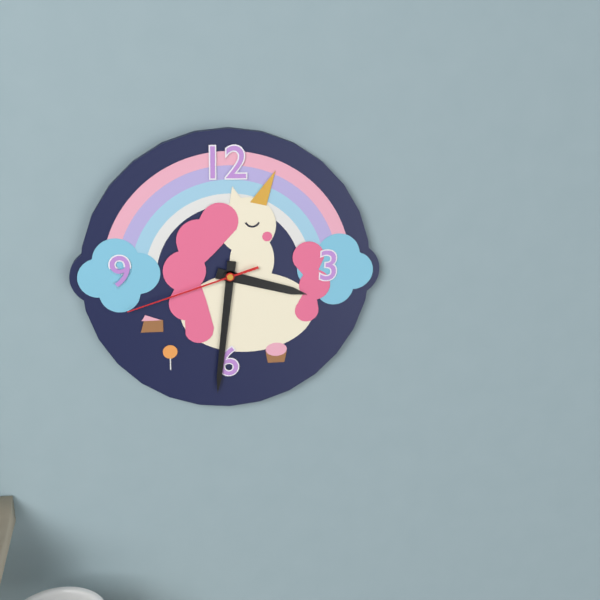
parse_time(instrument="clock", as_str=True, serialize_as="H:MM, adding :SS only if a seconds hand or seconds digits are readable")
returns 3:31:42
